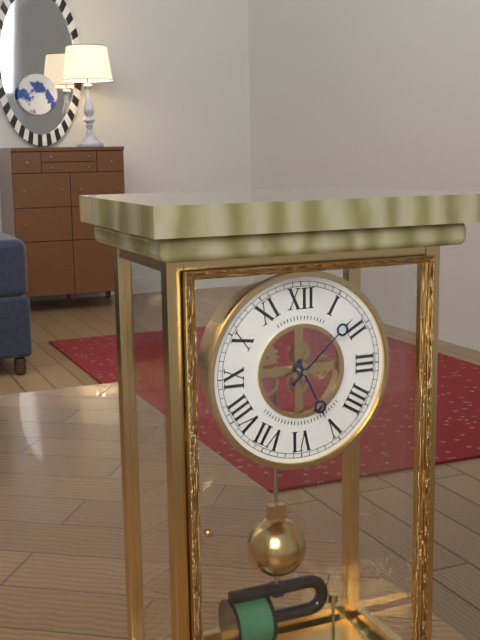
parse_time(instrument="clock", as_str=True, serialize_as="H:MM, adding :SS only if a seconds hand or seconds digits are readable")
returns 5:08
